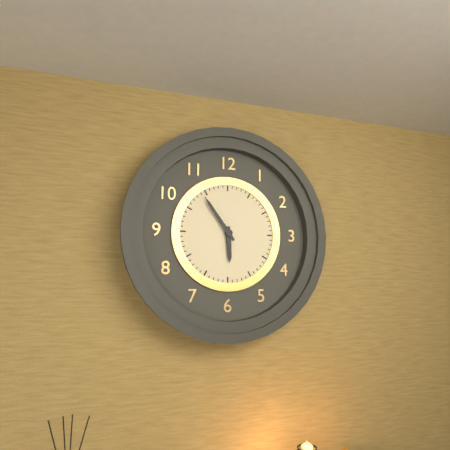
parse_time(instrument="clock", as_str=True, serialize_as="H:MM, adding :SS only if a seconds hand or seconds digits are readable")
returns 5:54
